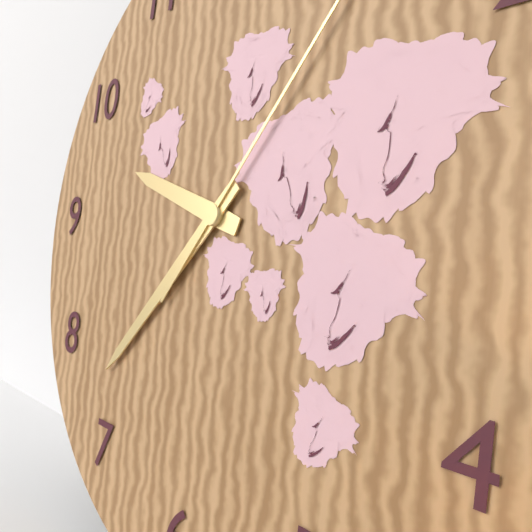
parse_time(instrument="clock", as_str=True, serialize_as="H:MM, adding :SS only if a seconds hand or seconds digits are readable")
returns 9:37
